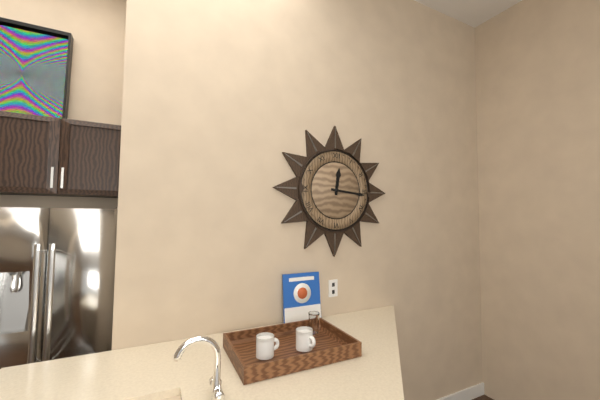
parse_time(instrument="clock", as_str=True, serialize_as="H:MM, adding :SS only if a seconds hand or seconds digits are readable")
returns 12:16
